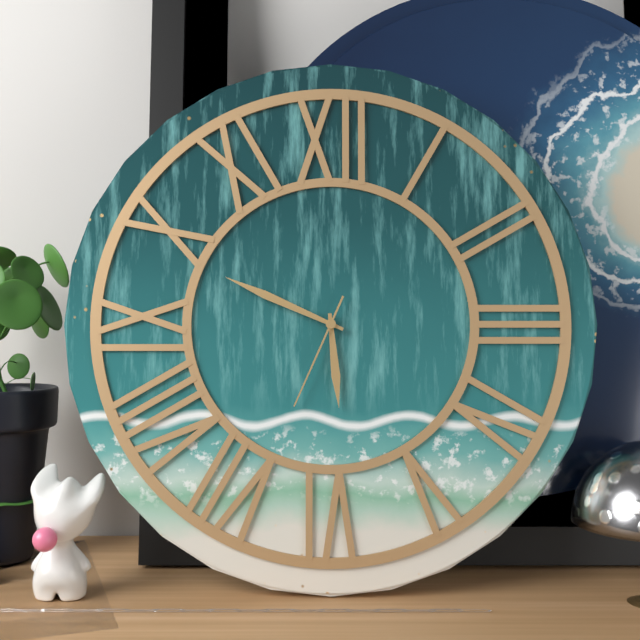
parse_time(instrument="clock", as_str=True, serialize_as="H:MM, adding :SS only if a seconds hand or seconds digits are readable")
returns 5:49:34
